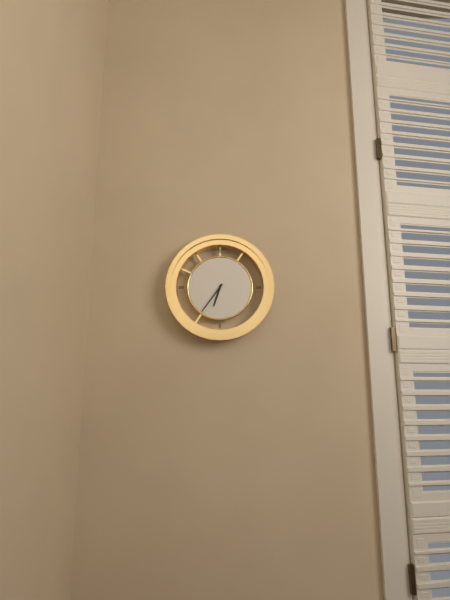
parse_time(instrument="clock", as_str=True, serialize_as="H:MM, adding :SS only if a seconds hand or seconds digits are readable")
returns 6:36
